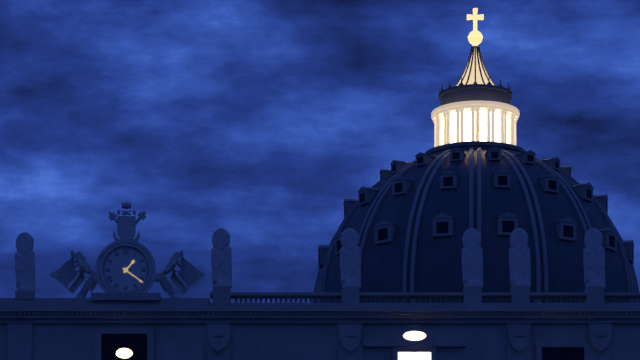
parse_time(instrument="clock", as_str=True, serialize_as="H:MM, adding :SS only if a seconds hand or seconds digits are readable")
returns 1:21
